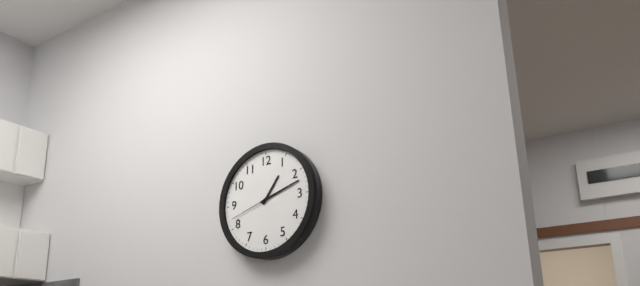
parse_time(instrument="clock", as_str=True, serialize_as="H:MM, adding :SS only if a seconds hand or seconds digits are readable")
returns 1:12
